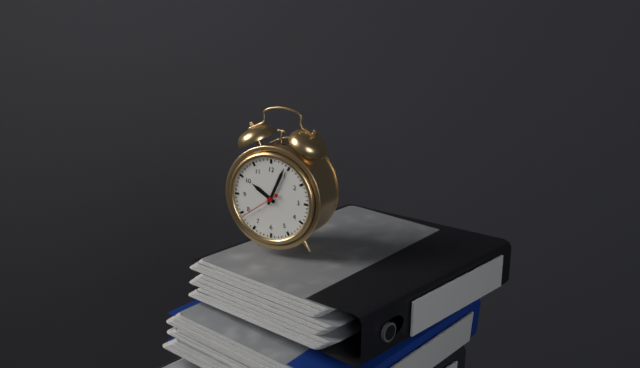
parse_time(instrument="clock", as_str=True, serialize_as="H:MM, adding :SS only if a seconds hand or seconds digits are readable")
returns 10:04
